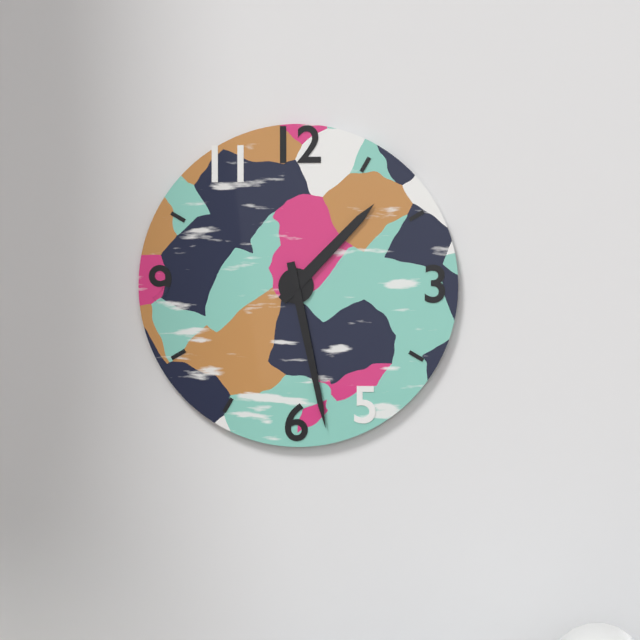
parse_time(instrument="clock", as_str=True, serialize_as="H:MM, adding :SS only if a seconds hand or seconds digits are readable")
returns 1:28
